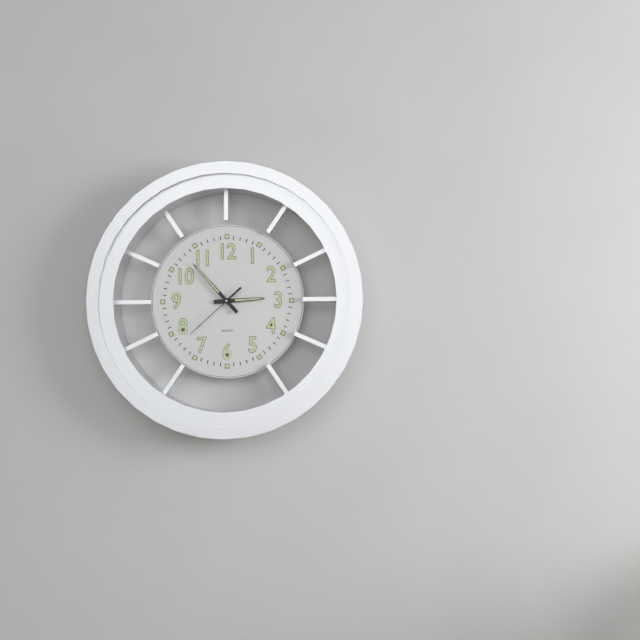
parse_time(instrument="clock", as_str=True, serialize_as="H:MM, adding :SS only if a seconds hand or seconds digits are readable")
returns 2:53:38
